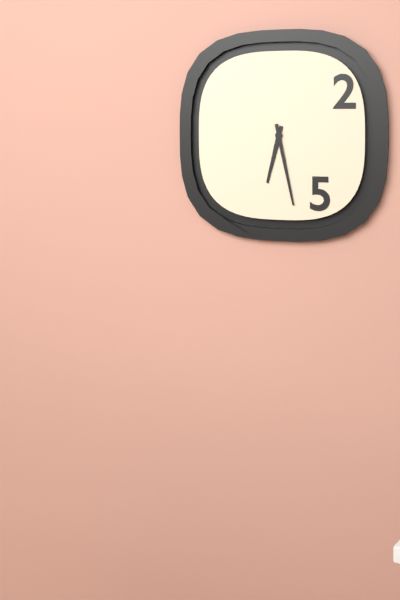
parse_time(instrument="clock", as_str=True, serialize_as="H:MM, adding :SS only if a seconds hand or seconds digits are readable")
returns 6:28
